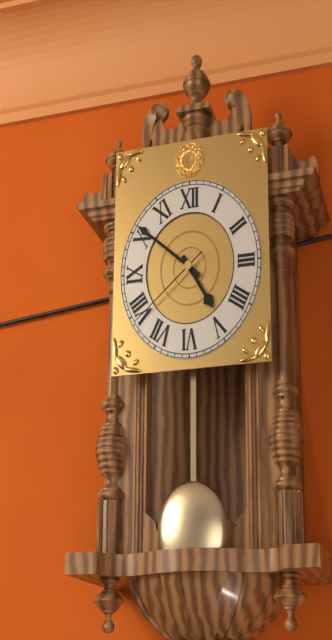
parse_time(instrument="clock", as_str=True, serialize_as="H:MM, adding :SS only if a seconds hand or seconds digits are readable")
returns 4:51:39
